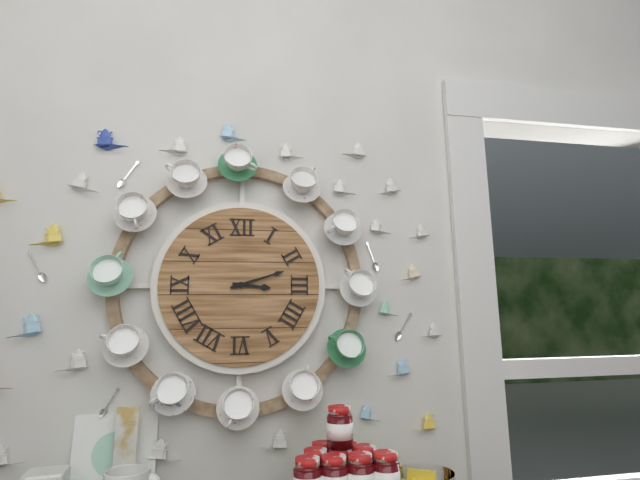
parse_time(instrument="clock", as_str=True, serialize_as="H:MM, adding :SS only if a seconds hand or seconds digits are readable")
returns 3:12
